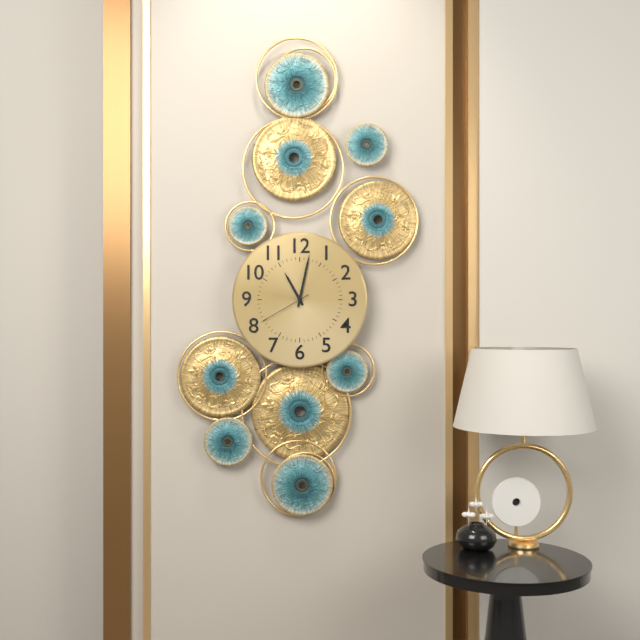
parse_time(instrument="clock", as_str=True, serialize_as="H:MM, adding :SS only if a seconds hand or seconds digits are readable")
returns 11:02:40
